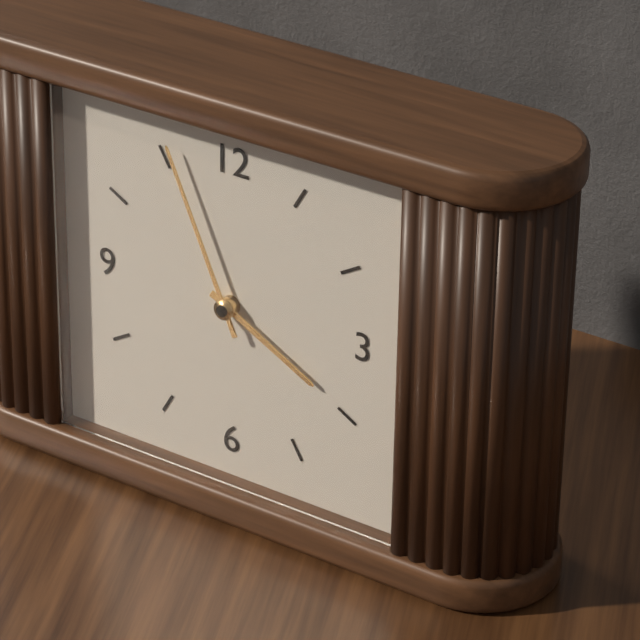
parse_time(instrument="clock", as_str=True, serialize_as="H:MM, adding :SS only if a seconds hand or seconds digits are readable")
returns 3:56
